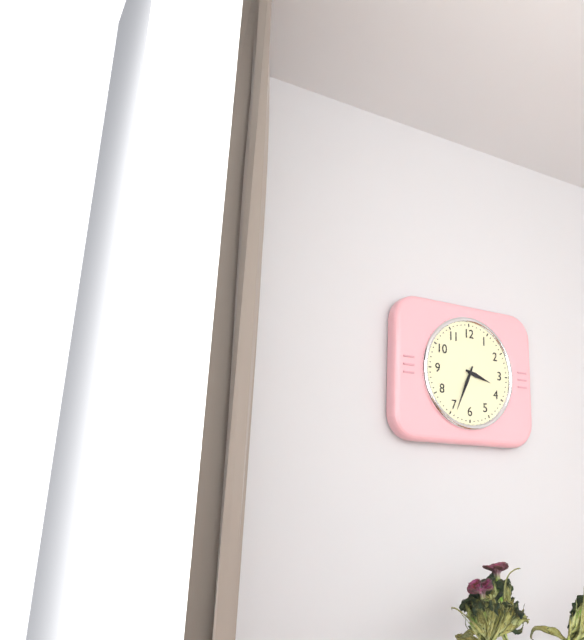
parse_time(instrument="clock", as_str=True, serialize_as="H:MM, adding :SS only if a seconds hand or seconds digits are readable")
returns 3:34
